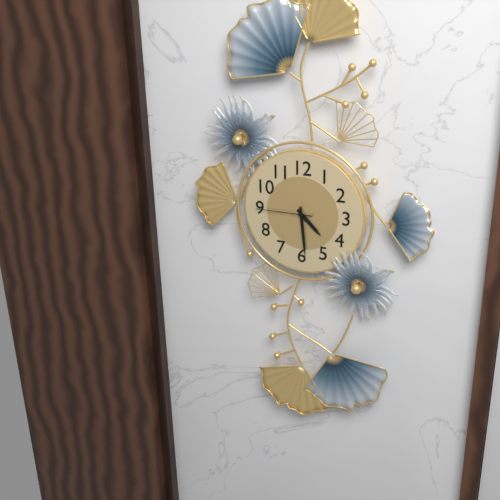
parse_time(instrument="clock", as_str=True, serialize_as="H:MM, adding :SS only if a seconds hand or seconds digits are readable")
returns 4:29:45
